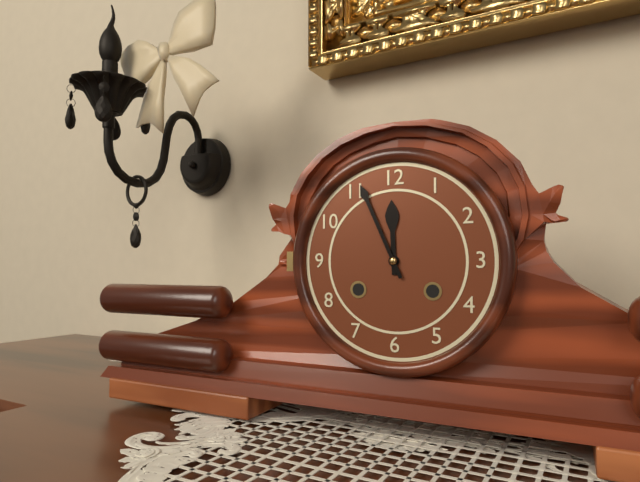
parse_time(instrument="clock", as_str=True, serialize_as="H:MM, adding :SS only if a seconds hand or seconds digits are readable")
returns 11:56
